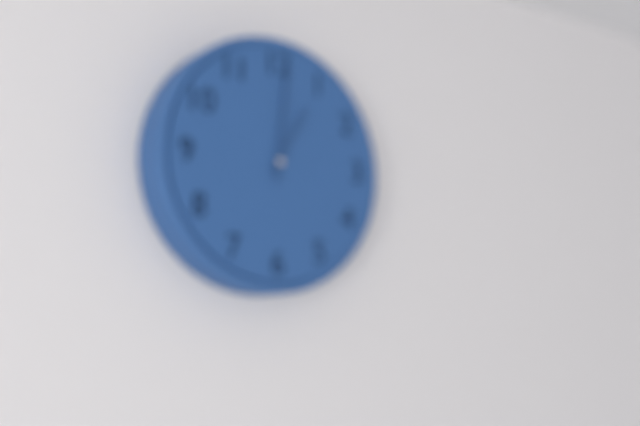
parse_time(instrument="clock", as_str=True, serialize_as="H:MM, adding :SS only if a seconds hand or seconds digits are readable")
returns 1:01
